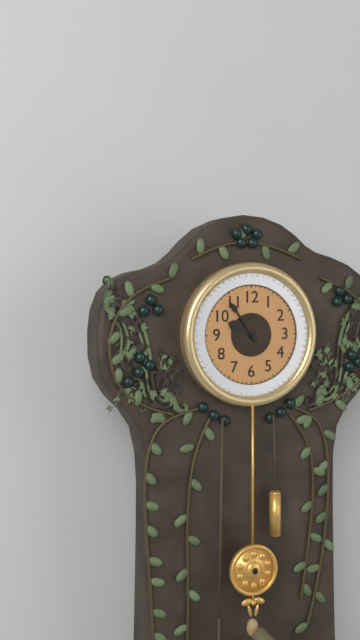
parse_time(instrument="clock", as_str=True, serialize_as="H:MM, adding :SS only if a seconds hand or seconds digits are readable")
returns 9:54
